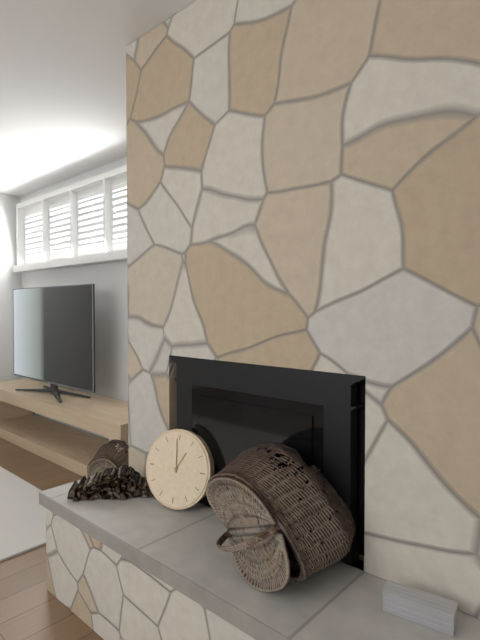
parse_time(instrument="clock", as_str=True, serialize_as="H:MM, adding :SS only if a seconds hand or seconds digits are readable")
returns 12:59
